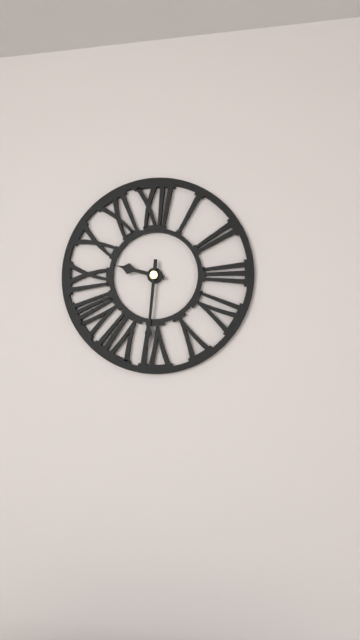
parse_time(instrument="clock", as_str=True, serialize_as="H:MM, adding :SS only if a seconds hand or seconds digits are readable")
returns 9:31
